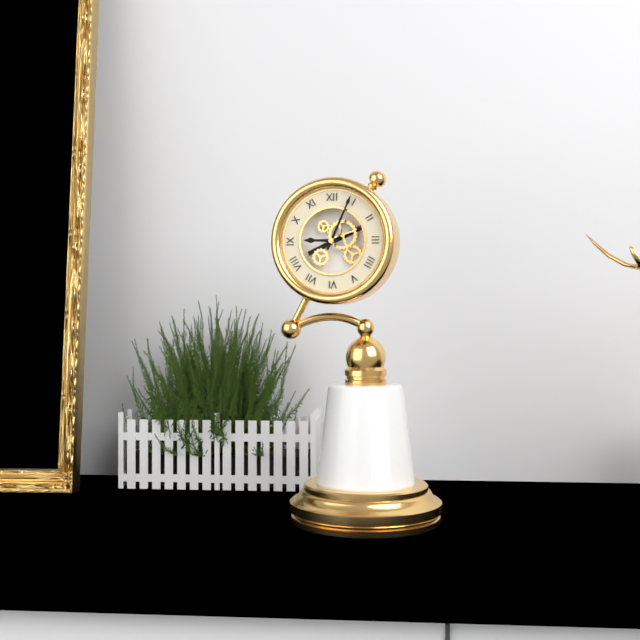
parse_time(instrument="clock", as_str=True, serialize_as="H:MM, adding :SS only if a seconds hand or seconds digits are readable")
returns 9:04
